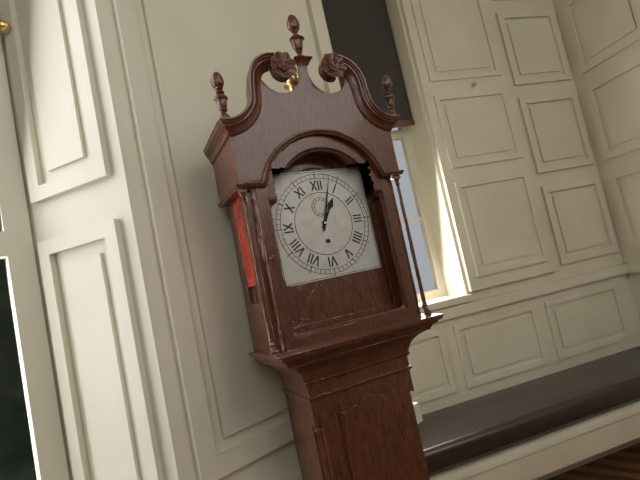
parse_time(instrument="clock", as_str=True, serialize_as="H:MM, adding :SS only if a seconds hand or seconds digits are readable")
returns 1:03
